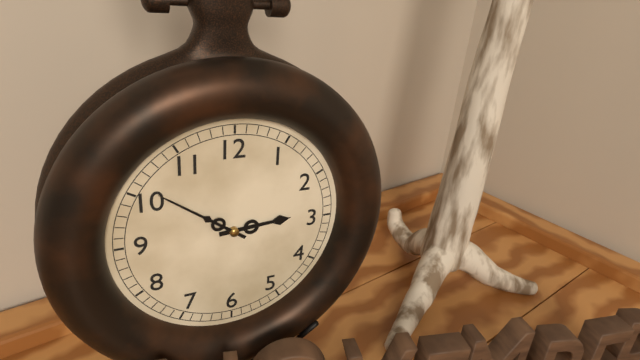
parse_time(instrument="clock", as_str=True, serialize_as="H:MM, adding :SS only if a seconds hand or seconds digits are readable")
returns 2:51
